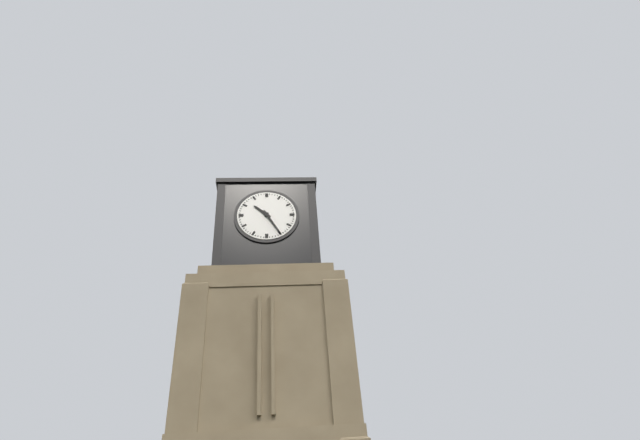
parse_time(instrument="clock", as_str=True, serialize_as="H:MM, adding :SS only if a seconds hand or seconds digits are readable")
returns 10:25
